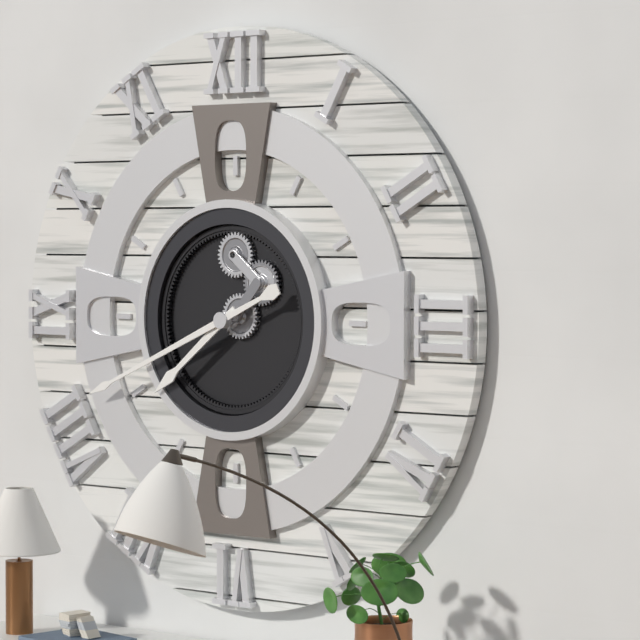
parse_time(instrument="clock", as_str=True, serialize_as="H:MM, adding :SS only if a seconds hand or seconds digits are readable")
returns 7:41
